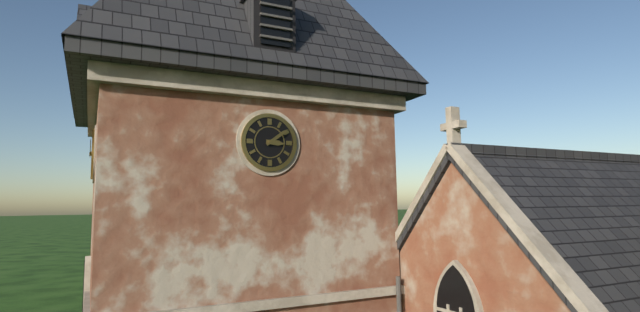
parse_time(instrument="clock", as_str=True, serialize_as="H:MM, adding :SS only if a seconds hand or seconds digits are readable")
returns 3:09
